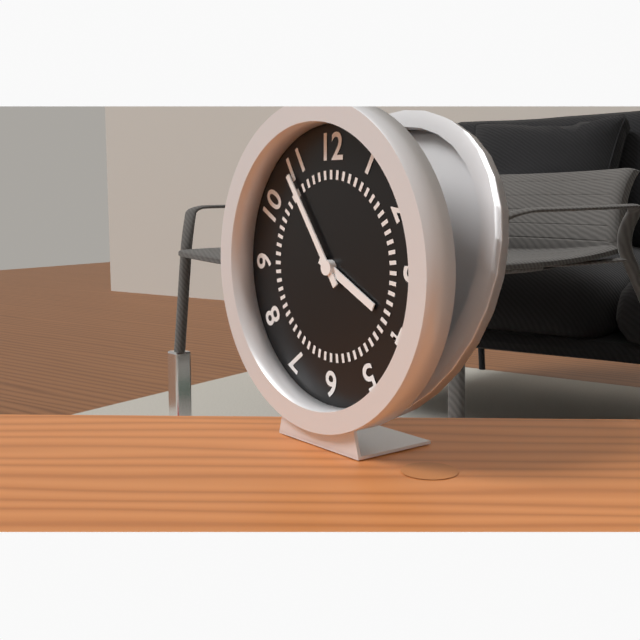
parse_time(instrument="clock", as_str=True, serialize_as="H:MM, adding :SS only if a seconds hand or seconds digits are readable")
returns 3:54
